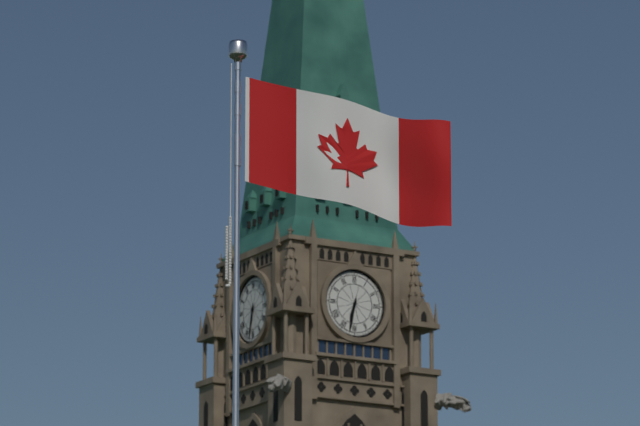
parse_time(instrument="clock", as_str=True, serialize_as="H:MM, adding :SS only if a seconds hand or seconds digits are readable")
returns 6:32
